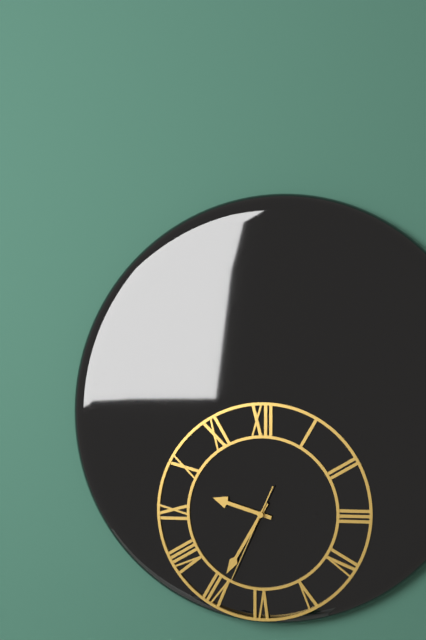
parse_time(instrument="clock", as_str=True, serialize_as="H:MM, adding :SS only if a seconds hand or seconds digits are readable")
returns 9:35:34
